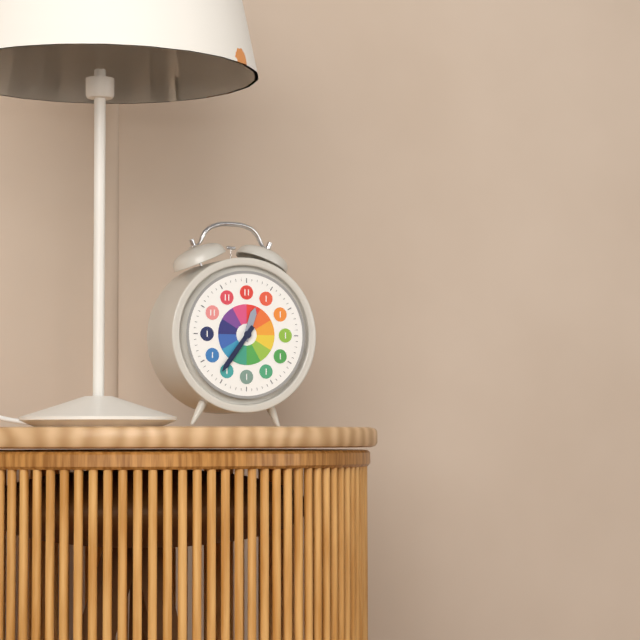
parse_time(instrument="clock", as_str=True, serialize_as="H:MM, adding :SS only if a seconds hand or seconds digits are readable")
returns 12:36
